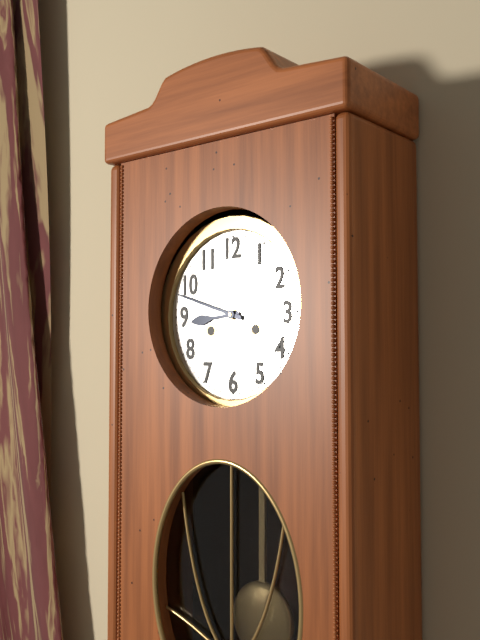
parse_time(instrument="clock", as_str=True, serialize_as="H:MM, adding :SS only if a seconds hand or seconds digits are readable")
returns 8:48
